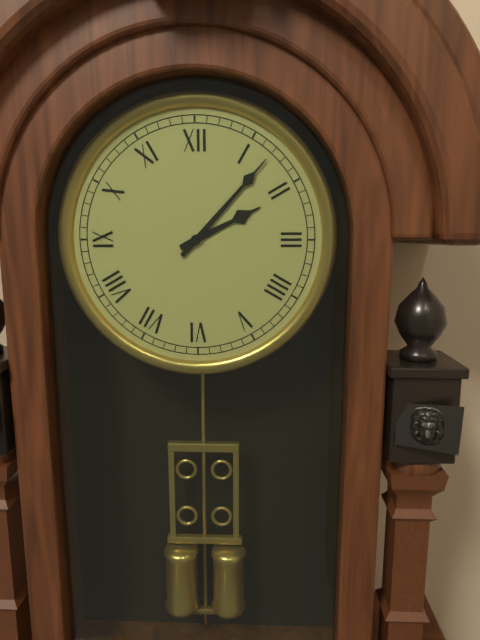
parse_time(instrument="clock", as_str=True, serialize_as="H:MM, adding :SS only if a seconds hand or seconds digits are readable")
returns 2:07
